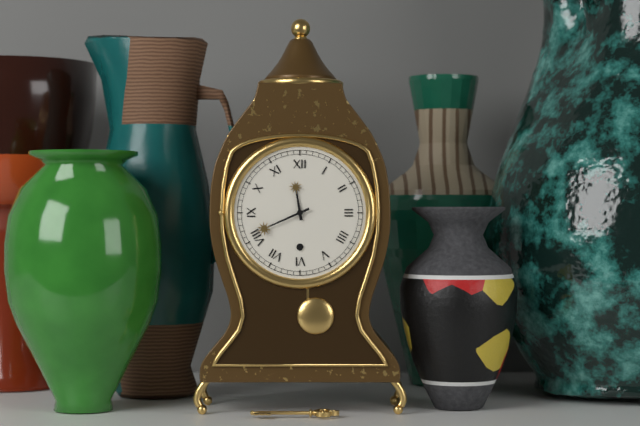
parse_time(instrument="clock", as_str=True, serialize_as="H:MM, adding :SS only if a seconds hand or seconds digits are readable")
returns 11:41
